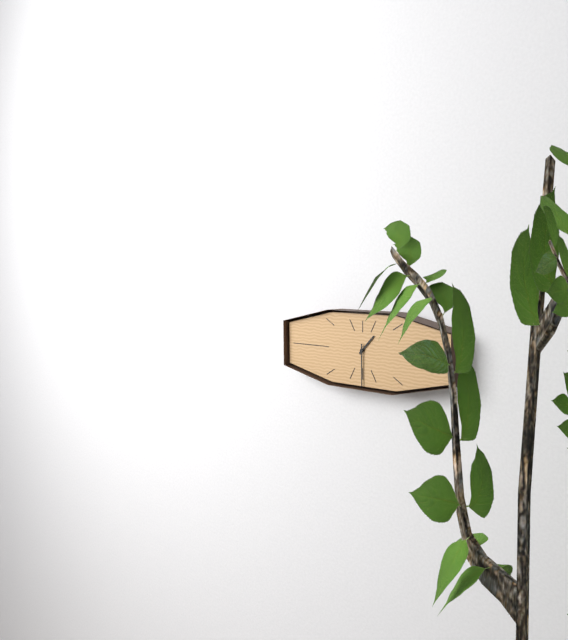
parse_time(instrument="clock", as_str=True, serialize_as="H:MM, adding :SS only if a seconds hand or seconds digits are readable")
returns 1:30
